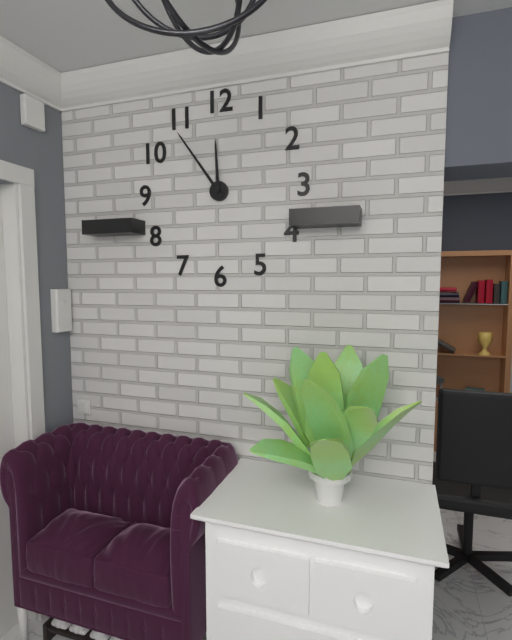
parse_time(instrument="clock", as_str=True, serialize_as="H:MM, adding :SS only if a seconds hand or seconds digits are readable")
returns 11:54
